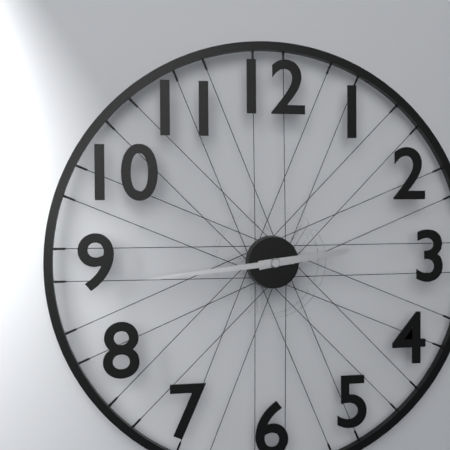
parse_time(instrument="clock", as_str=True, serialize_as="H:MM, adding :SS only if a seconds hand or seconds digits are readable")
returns 2:44
